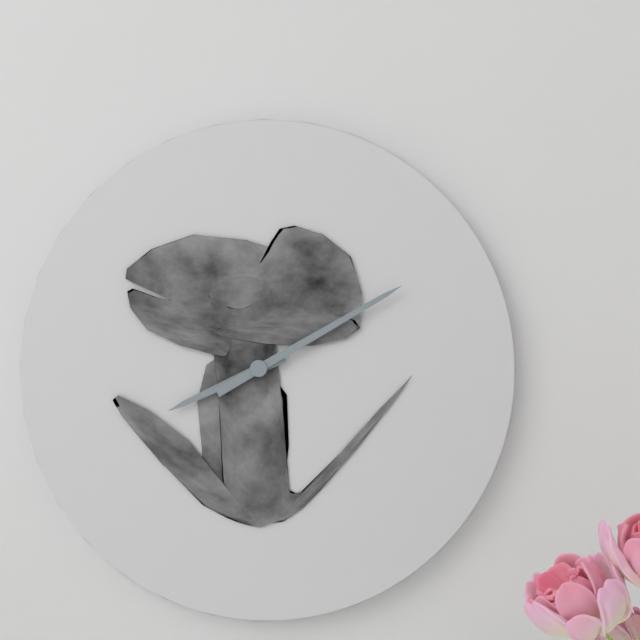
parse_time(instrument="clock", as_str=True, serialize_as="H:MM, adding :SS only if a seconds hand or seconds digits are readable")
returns 8:10
